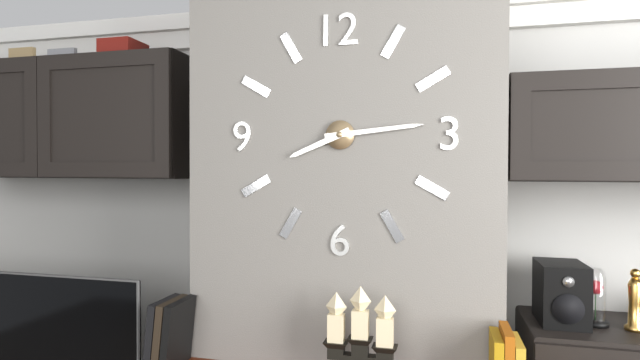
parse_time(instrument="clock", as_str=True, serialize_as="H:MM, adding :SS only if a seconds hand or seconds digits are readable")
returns 8:14
